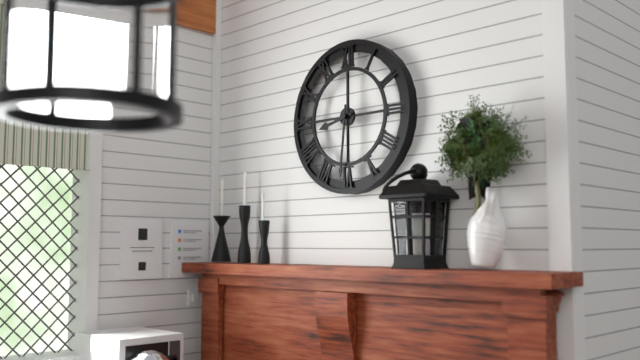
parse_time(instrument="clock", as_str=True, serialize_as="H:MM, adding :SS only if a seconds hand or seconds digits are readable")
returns 8:31
